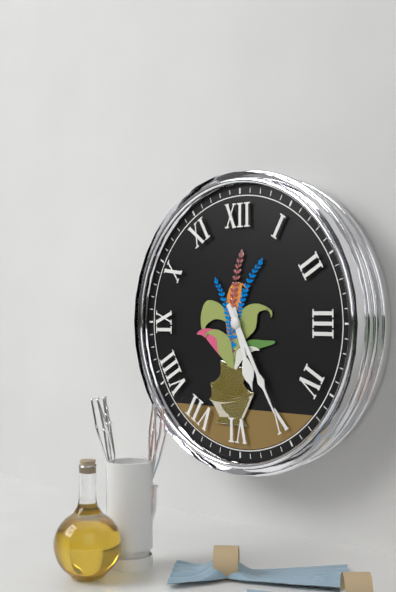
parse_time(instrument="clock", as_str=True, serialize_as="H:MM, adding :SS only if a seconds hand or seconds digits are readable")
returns 5:25
